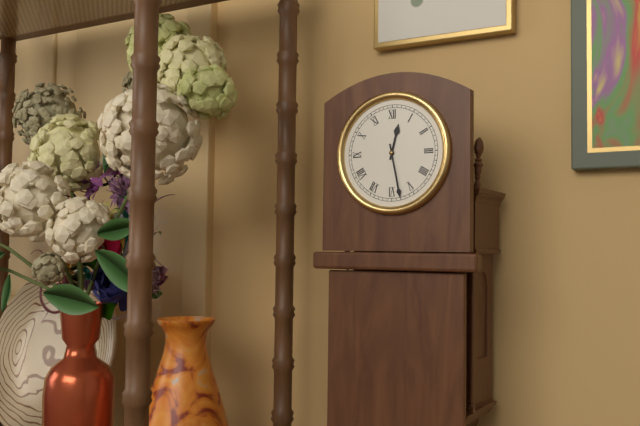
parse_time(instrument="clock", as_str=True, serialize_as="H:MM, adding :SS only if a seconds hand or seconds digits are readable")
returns 12:28
